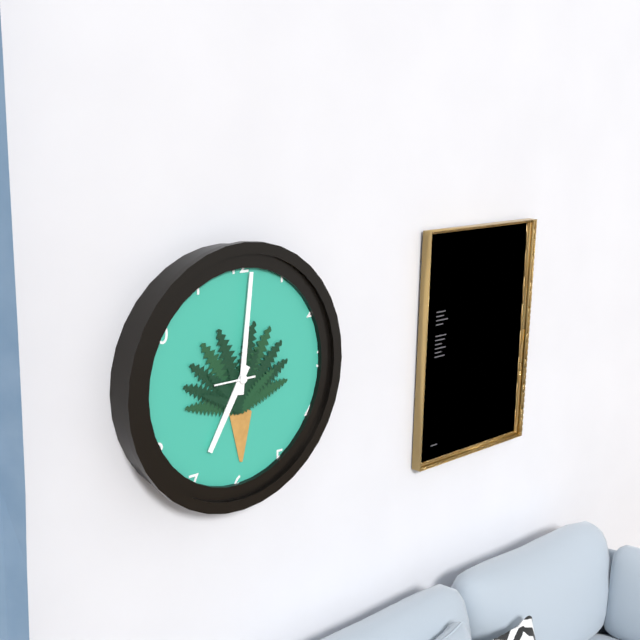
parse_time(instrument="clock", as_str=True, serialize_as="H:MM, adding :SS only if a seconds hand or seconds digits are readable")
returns 7:01
